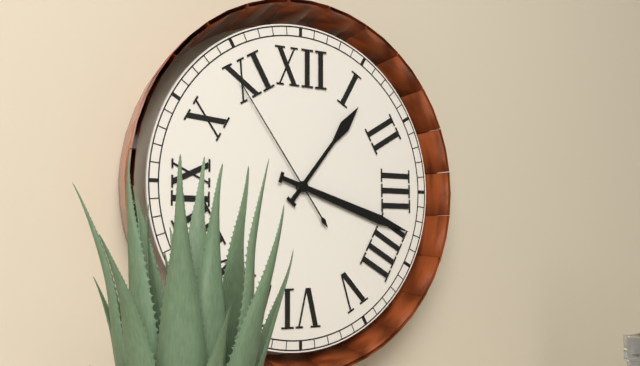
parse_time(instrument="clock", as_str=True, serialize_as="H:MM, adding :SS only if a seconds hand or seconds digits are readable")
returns 1:18:54
